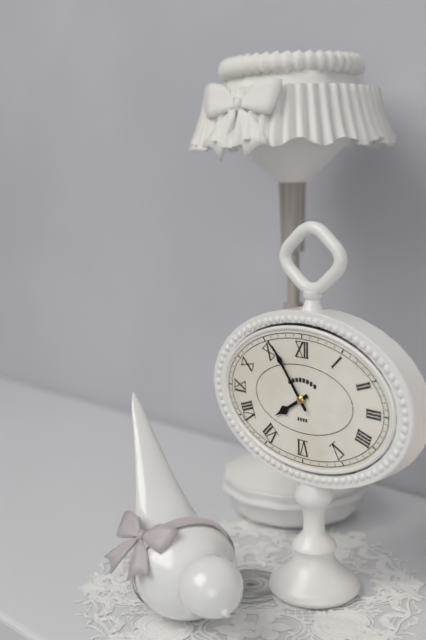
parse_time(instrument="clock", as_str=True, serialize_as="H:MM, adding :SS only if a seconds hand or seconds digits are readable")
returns 7:54
